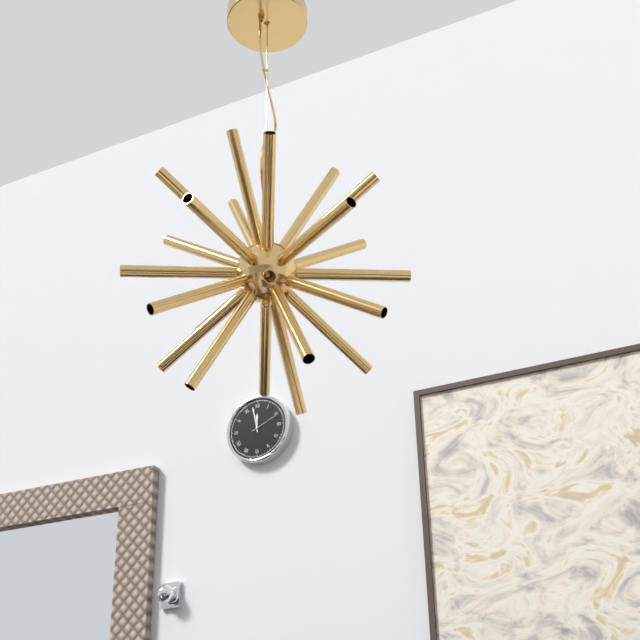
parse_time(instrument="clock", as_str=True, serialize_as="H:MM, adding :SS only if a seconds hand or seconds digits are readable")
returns 11:58
